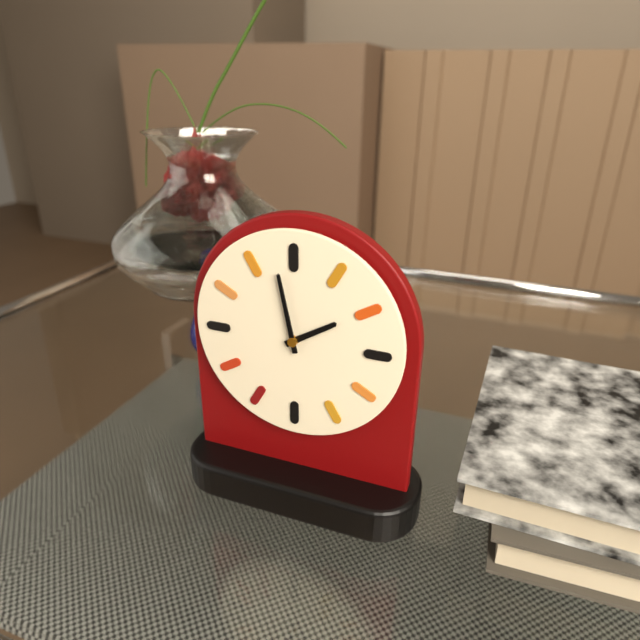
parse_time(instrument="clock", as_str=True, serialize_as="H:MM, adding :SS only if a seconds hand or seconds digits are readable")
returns 1:58
